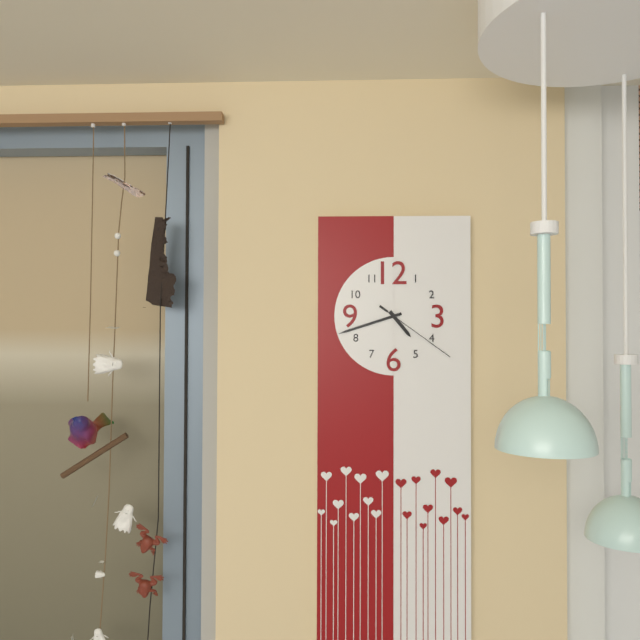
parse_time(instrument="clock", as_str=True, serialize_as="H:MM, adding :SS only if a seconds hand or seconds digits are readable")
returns 4:42:21
